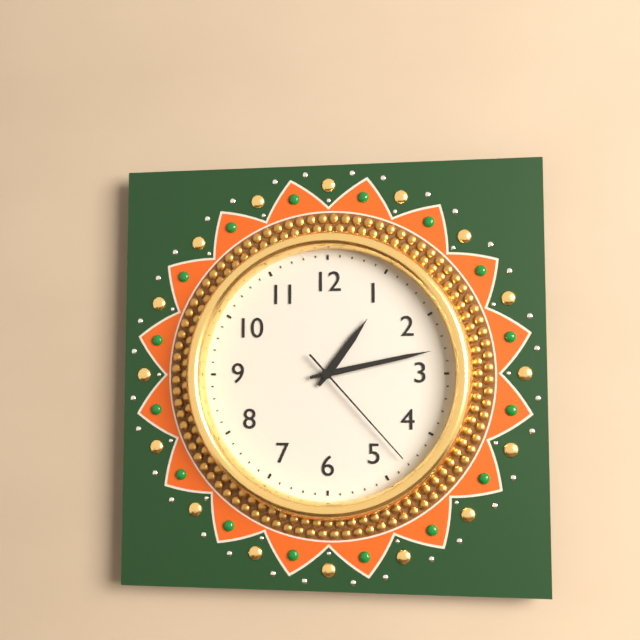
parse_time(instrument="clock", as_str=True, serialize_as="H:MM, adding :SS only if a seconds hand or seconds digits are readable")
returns 1:13:23
